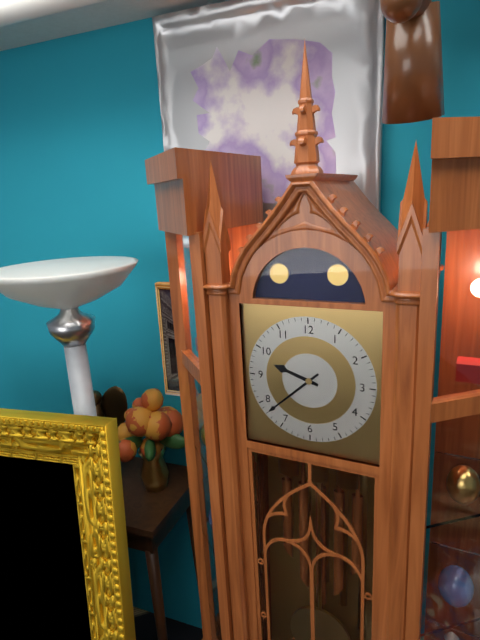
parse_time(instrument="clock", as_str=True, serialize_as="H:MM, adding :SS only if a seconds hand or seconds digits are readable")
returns 9:38
